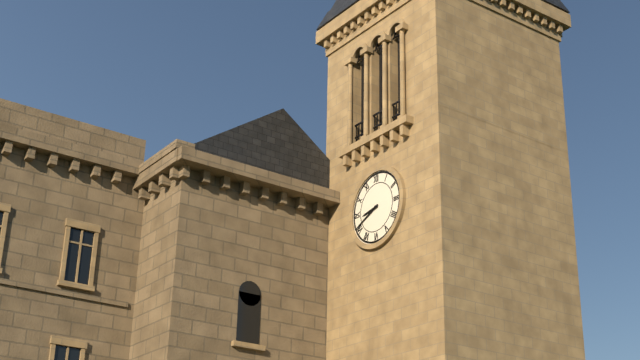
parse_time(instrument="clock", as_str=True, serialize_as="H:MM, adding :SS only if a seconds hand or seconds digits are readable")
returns 8:41
